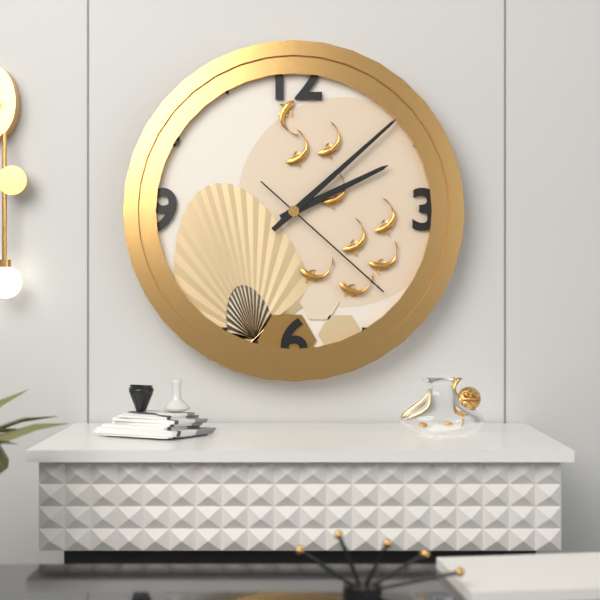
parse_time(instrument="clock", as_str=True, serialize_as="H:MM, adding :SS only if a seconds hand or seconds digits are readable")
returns 2:08:22
